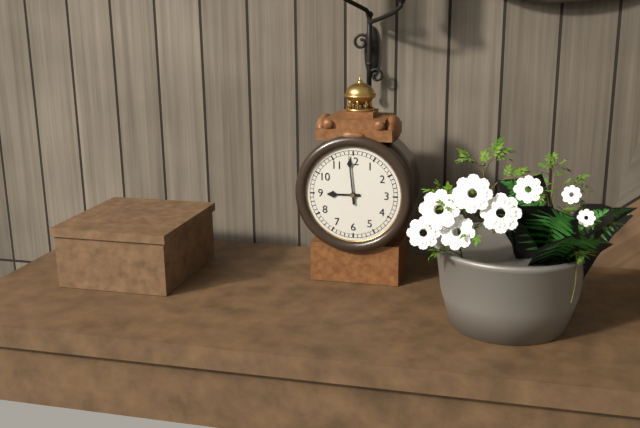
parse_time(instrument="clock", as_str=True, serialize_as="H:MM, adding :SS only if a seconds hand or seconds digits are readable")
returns 8:59
